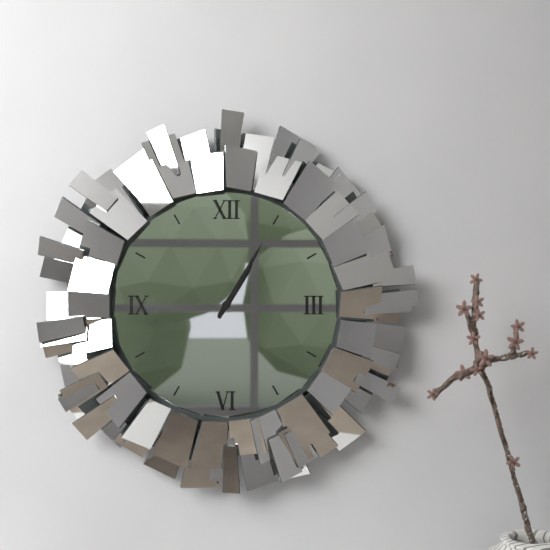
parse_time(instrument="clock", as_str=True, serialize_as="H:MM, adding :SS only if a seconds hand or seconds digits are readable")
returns 1:05
